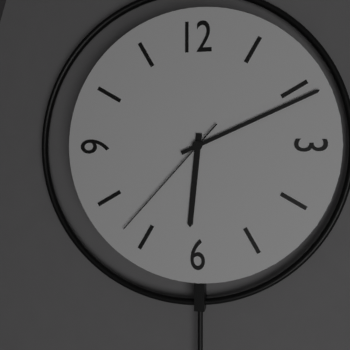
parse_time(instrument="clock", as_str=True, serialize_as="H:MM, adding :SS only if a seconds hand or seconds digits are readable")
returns 6:11:37
